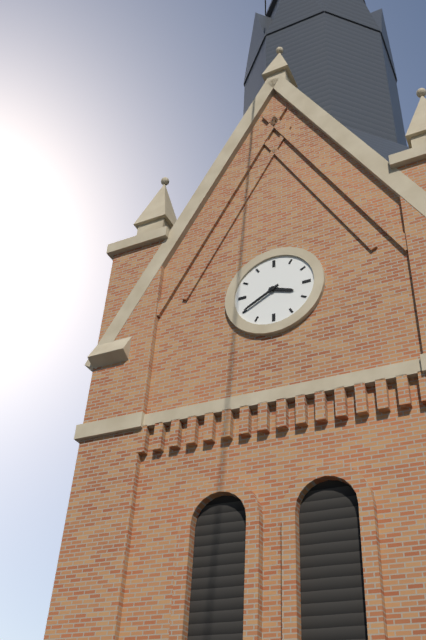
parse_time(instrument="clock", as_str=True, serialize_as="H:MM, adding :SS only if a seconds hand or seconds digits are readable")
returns 3:40
